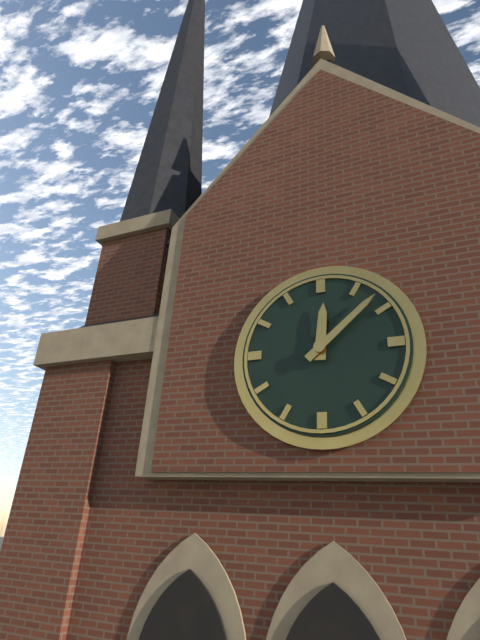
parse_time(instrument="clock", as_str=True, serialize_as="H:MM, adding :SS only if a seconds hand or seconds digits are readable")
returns 12:08
